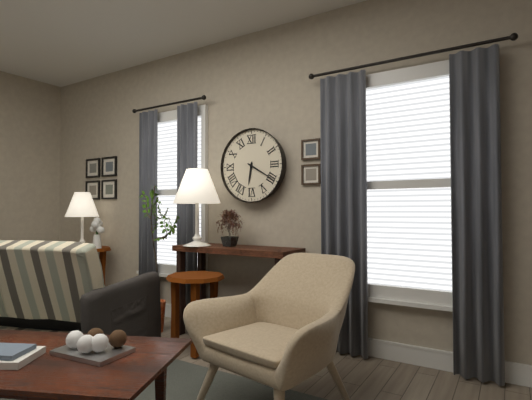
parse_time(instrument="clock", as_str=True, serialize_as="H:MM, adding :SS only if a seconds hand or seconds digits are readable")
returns 6:20
